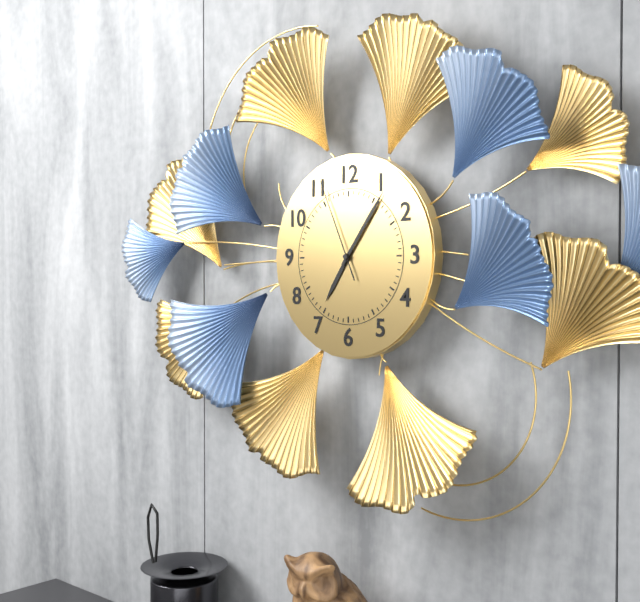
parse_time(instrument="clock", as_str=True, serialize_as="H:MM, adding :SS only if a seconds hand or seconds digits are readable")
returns 7:06:56
